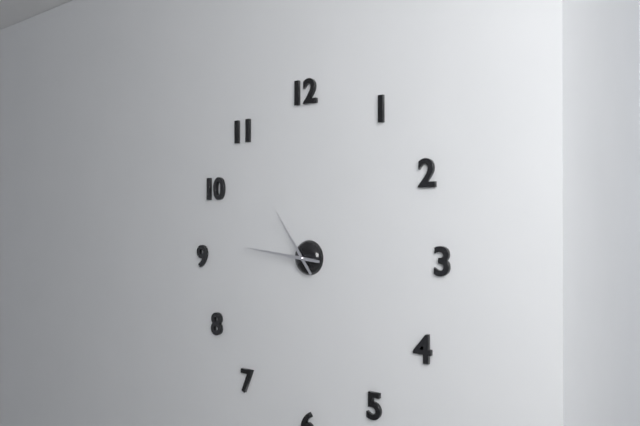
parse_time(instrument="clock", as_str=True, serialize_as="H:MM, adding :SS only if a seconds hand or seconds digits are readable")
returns 10:46
